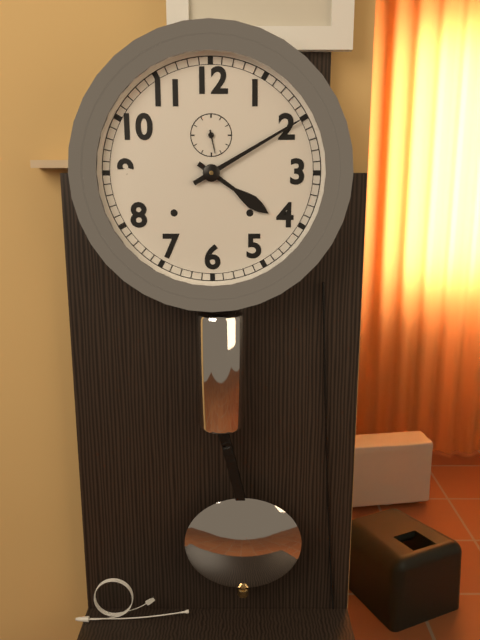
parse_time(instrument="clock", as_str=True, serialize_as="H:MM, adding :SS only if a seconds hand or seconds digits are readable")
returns 4:10
